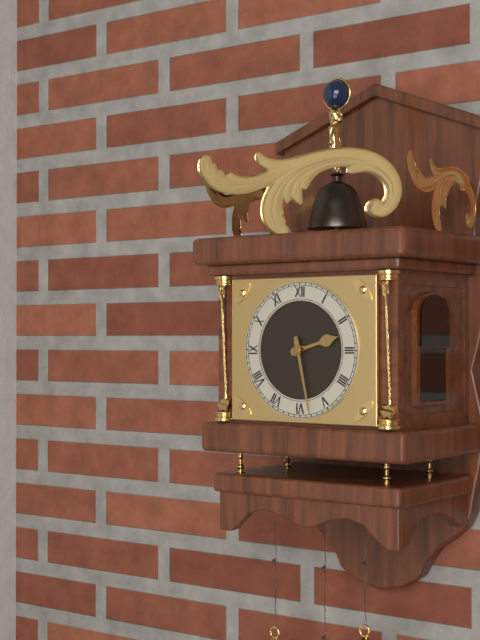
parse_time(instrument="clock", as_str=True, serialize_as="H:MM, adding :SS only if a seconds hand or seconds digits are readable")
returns 2:28
